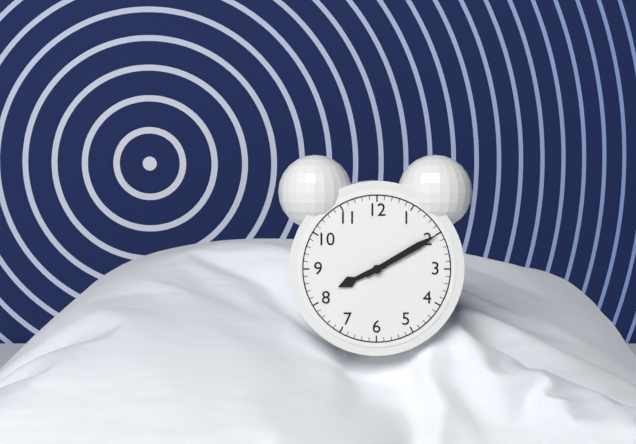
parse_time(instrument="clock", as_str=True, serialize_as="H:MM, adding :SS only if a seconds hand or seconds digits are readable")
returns 8:10
